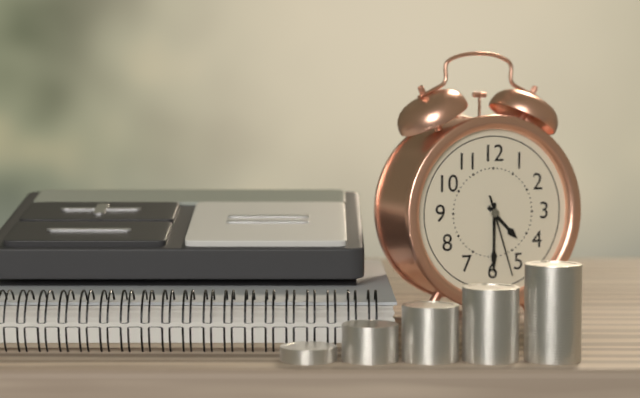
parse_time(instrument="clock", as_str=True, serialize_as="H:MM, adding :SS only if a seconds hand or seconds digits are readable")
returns 4:30:27
